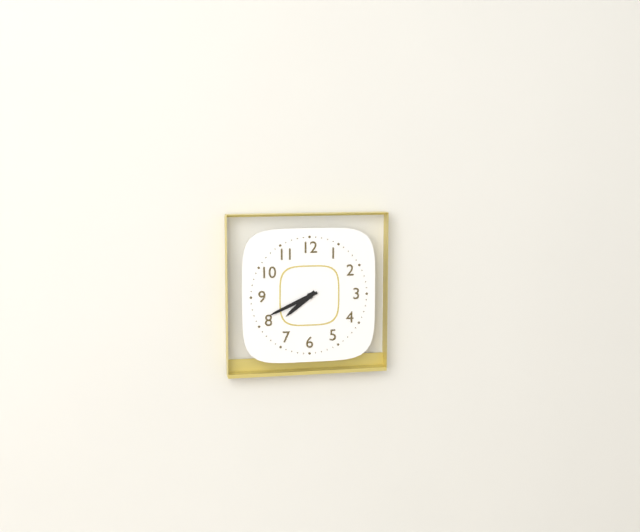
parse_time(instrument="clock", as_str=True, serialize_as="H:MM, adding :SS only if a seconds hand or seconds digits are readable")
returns 7:41
